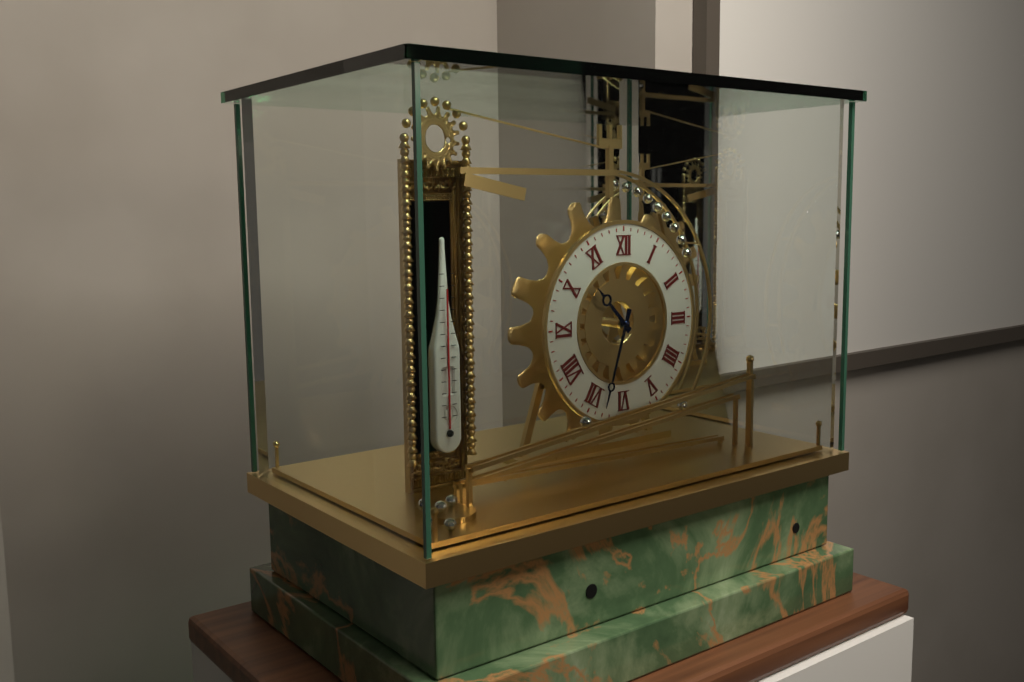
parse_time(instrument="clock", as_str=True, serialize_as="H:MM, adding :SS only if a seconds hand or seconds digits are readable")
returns 10:33
